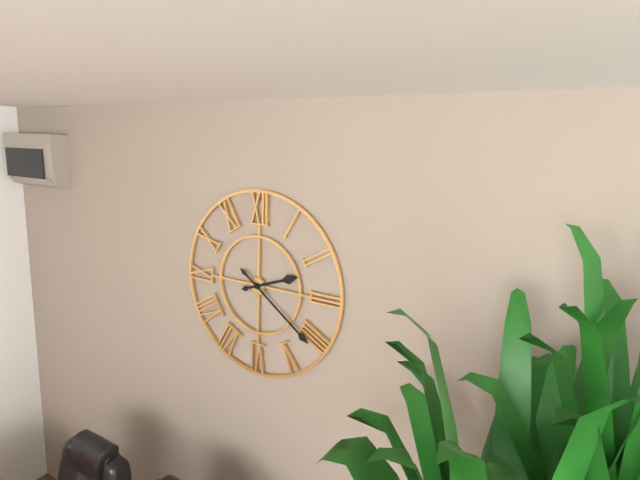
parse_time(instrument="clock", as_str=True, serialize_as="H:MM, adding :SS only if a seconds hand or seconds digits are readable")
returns 2:21
